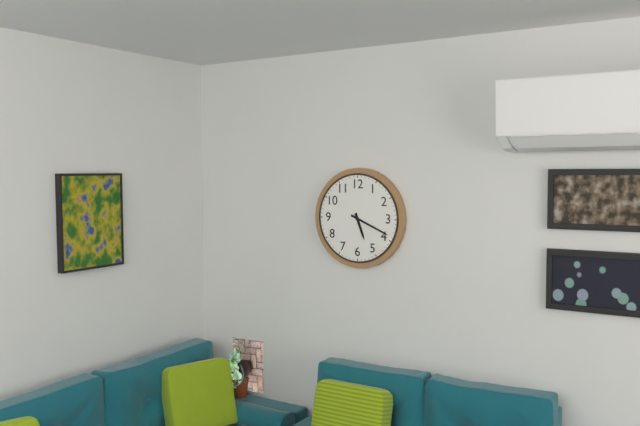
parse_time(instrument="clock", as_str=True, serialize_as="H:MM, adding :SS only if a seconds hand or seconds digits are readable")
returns 5:19
